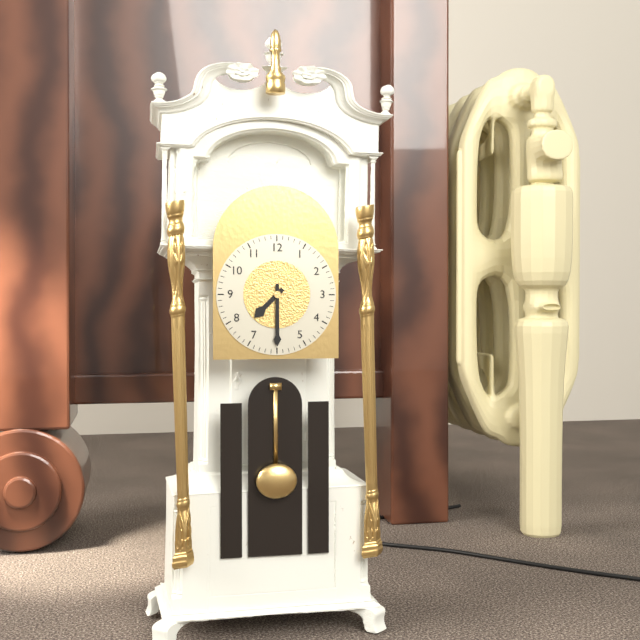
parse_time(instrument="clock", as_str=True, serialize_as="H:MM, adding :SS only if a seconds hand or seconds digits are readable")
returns 7:30
